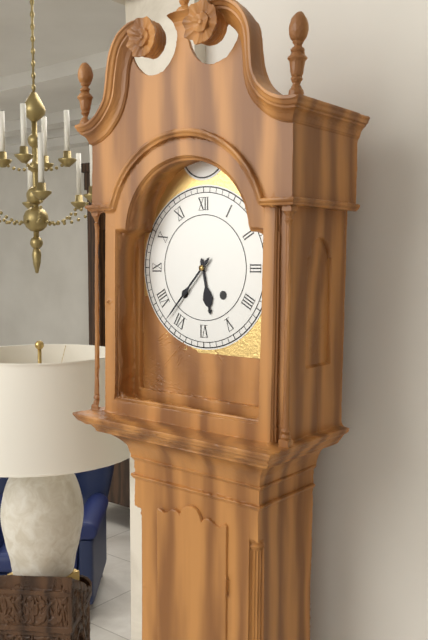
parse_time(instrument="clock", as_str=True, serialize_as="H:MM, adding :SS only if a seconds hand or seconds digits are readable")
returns 5:37
